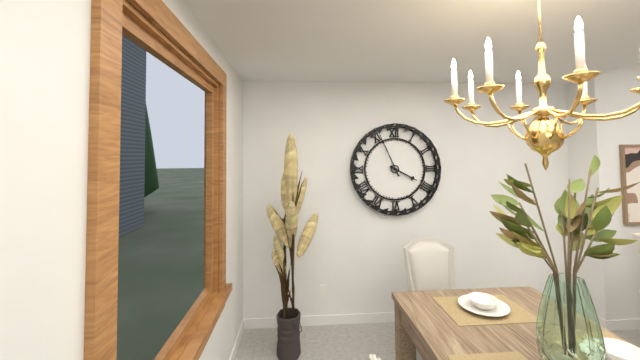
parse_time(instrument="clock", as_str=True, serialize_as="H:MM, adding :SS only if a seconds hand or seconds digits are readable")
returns 3:56
